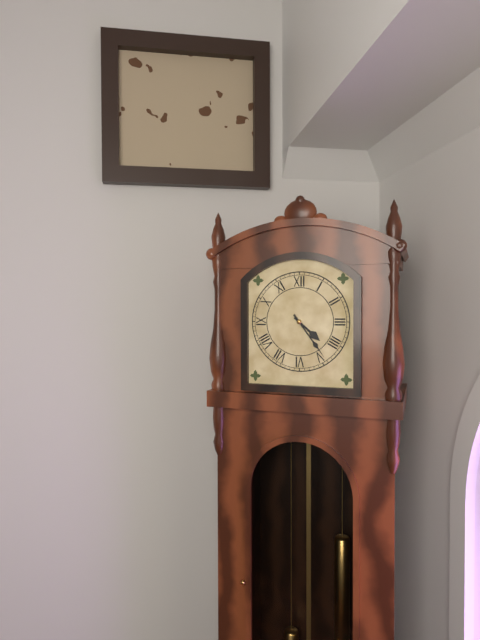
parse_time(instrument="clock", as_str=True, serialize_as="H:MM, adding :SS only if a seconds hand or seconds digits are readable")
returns 4:24
